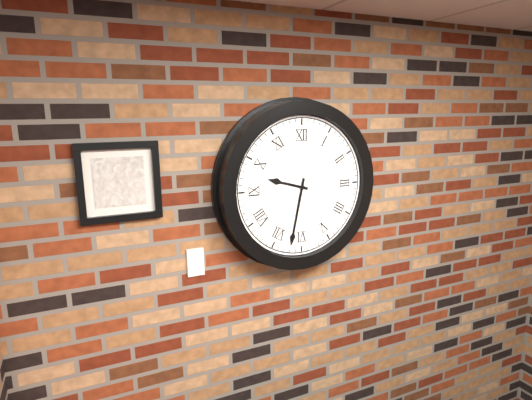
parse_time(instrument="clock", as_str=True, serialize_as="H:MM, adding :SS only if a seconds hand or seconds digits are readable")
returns 9:32
